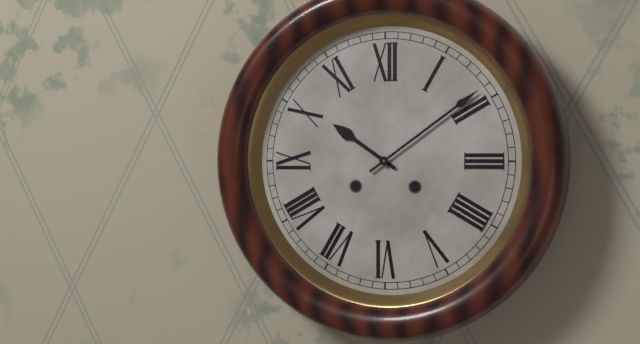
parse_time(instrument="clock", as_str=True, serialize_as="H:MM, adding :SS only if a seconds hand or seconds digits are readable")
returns 10:09
